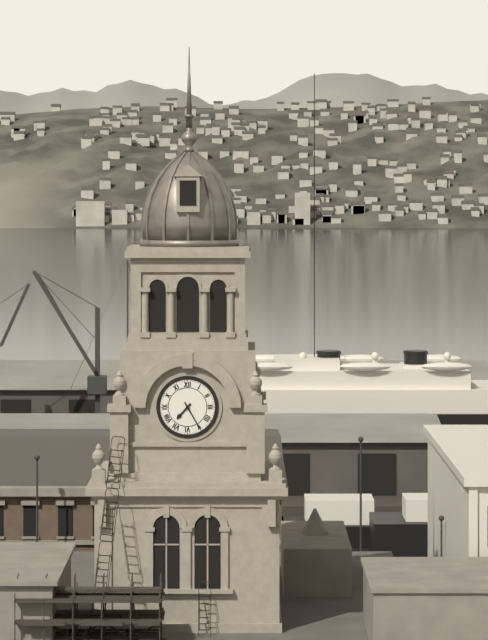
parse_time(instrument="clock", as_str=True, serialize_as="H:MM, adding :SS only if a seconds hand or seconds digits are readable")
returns 7:25
